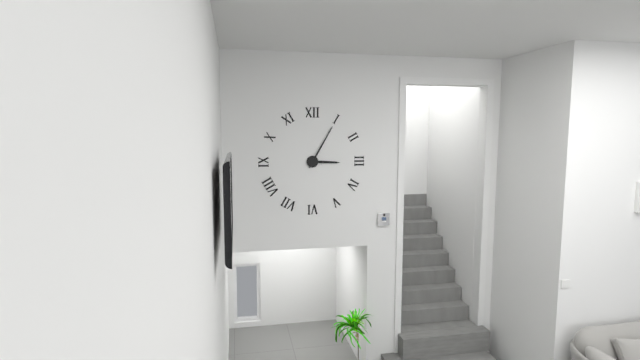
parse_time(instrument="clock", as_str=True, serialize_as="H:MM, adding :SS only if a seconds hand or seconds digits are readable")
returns 3:05
